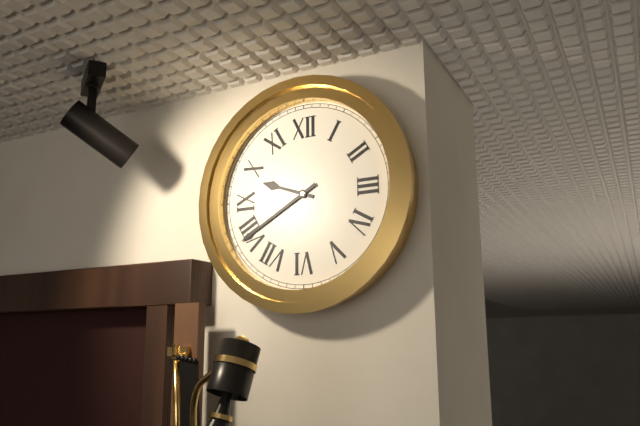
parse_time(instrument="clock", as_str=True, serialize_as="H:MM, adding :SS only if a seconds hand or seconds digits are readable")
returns 9:40
